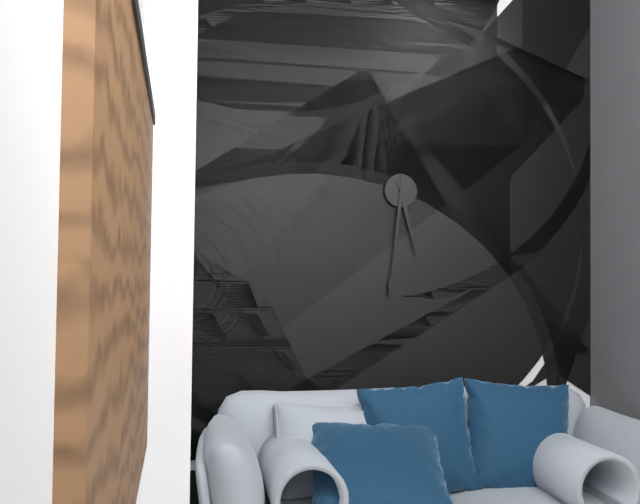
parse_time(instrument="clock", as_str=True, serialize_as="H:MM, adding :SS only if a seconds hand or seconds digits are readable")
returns 5:31
